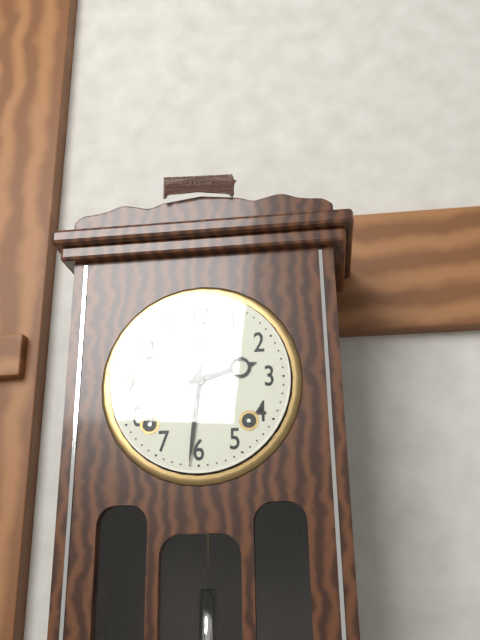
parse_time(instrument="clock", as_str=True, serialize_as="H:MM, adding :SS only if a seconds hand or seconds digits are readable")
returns 2:31
